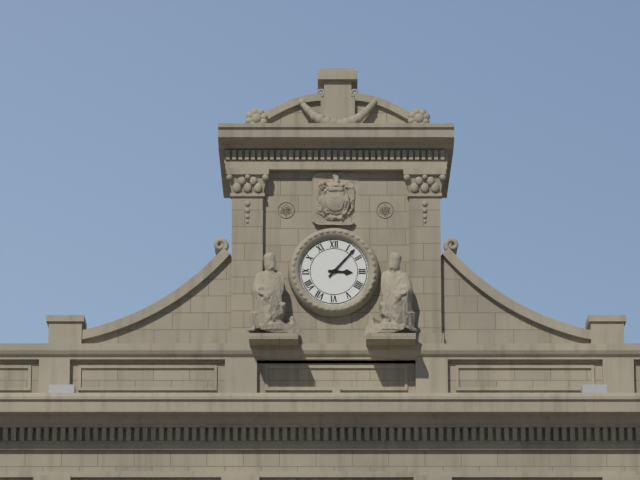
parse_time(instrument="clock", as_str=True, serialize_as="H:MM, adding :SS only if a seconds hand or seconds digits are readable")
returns 3:07
